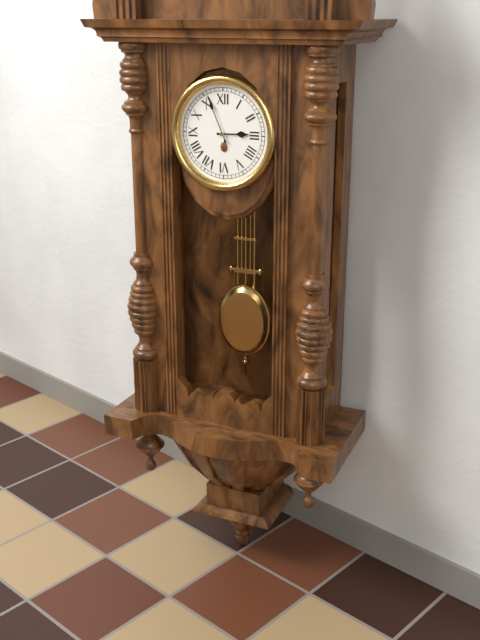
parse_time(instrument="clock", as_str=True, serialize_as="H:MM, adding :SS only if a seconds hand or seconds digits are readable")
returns 2:56
